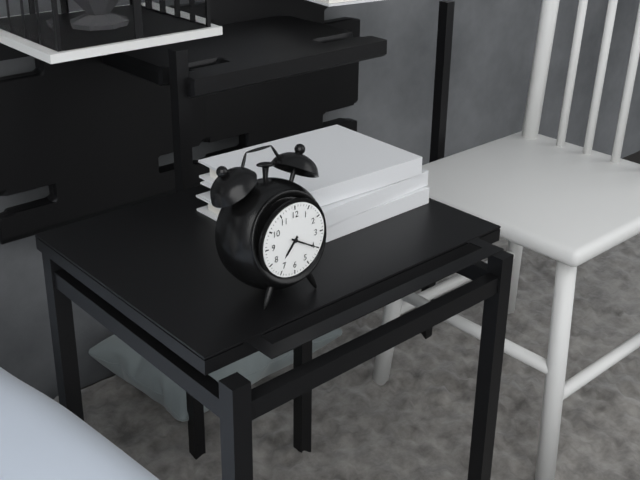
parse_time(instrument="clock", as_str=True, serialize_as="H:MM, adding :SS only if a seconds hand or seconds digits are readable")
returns 7:20
